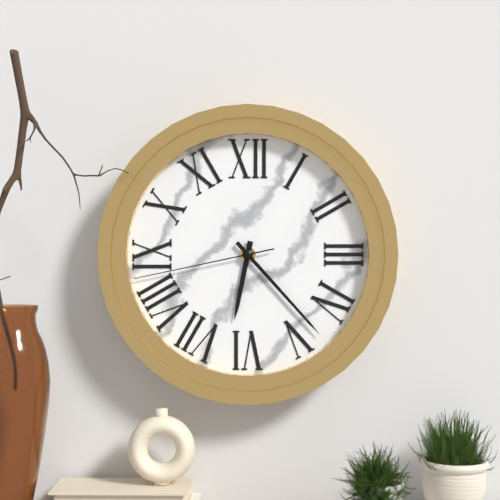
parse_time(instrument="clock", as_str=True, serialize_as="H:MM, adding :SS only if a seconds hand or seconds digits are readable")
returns 6:23:43
